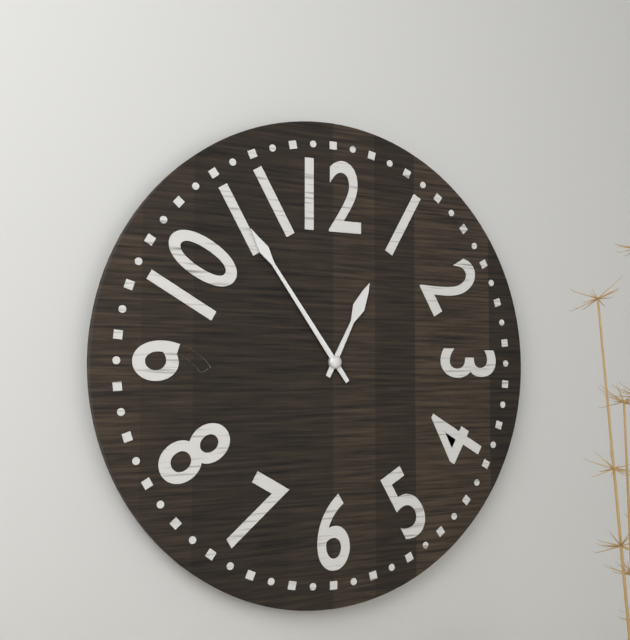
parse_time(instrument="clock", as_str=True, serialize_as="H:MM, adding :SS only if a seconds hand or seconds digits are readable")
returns 12:54
